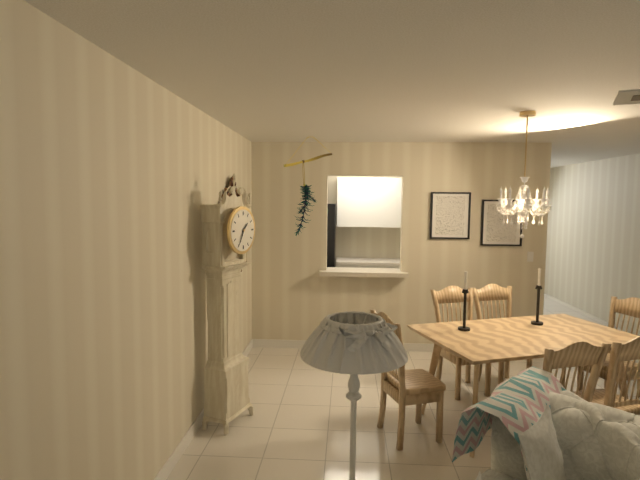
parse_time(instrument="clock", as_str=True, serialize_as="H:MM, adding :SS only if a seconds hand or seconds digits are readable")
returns 1:35
